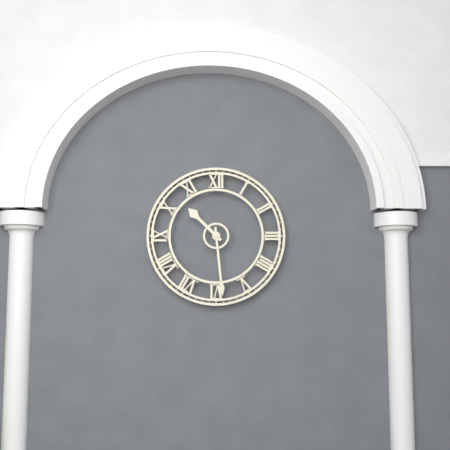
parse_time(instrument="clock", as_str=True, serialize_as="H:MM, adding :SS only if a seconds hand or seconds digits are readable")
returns 10:29
